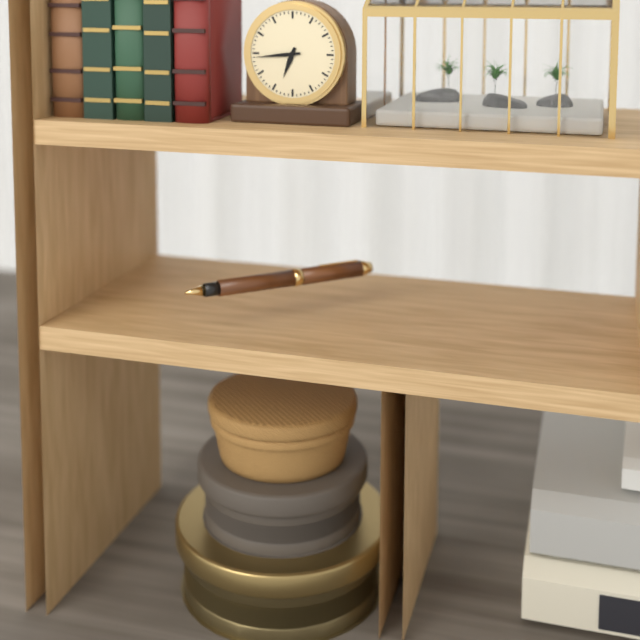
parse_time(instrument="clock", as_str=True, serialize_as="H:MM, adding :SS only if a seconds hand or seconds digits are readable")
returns 6:44
